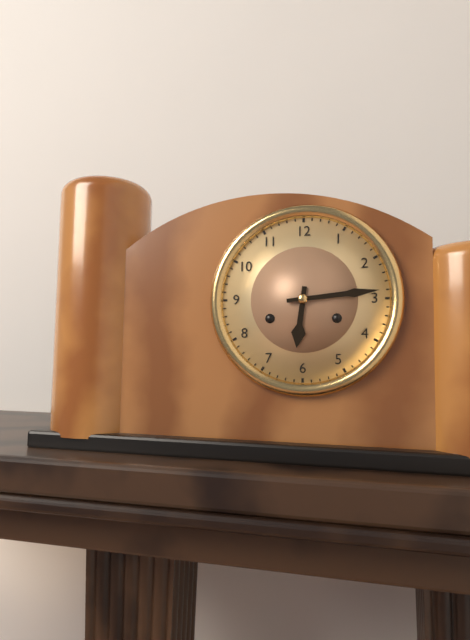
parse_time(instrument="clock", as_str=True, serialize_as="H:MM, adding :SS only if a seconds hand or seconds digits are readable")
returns 6:14
